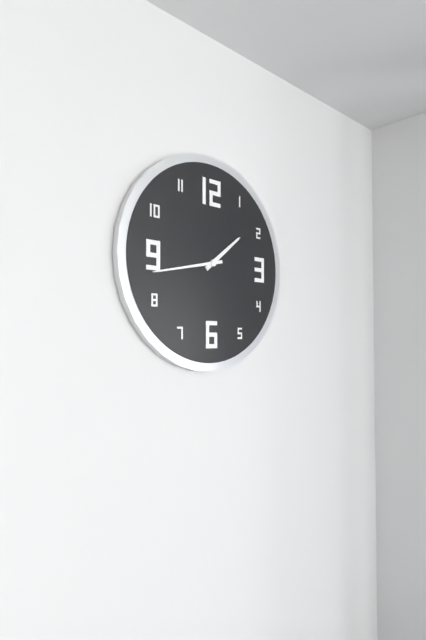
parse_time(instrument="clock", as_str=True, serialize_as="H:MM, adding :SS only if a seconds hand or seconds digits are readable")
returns 1:43
